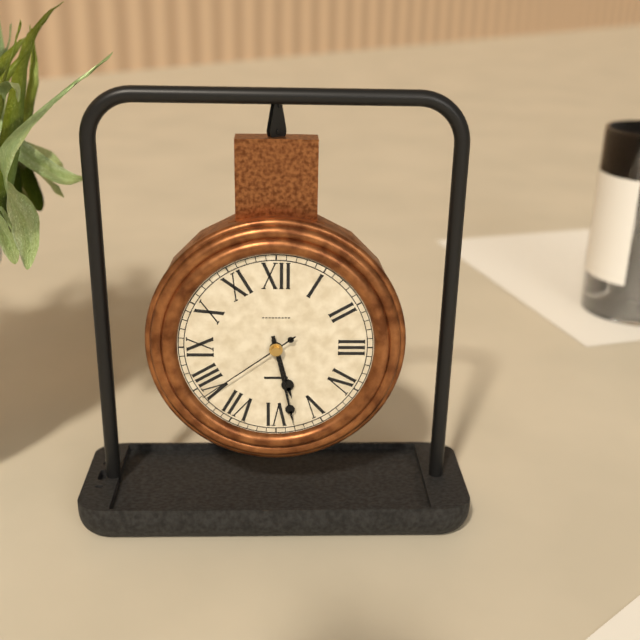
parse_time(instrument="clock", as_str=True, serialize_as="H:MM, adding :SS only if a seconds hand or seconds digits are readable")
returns 5:28:39
